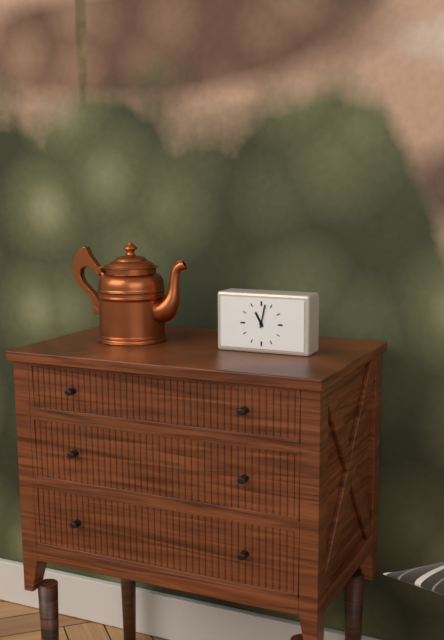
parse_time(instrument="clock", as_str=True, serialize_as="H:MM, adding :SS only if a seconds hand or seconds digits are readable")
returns 11:02
